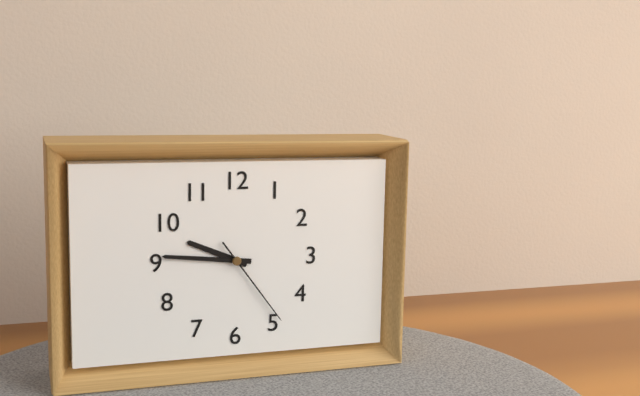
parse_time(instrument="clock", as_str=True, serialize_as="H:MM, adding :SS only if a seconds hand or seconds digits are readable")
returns 9:46:24
